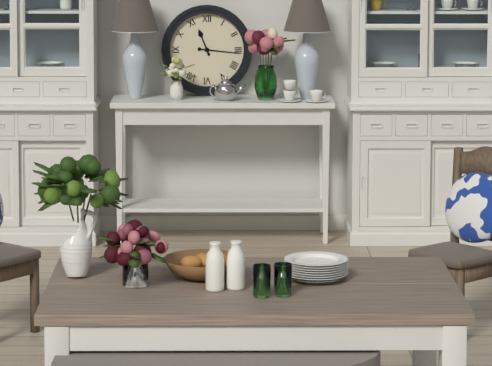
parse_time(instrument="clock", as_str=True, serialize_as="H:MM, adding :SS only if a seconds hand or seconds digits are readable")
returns 11:16
